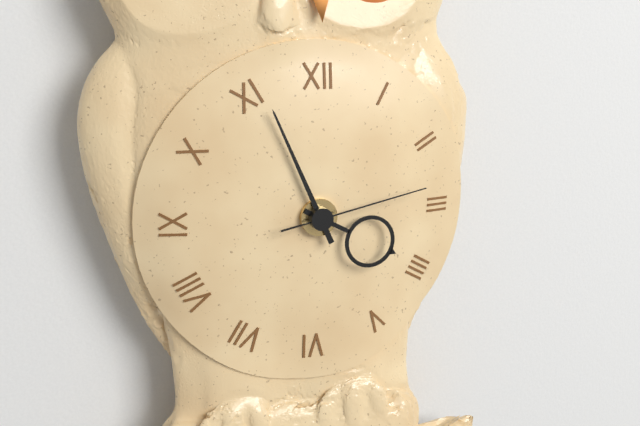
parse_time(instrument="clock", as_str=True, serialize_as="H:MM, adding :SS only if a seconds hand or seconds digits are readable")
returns 3:56:13
